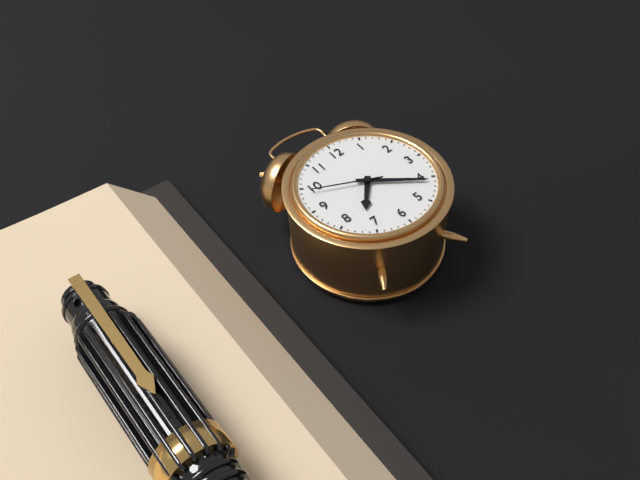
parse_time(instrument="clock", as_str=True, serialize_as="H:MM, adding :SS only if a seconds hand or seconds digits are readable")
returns 7:21:49
